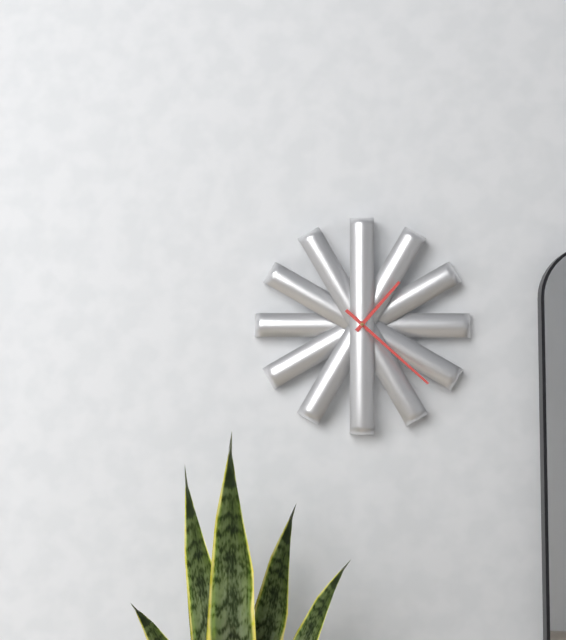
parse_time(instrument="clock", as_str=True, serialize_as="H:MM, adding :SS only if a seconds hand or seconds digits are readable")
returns 1:22
